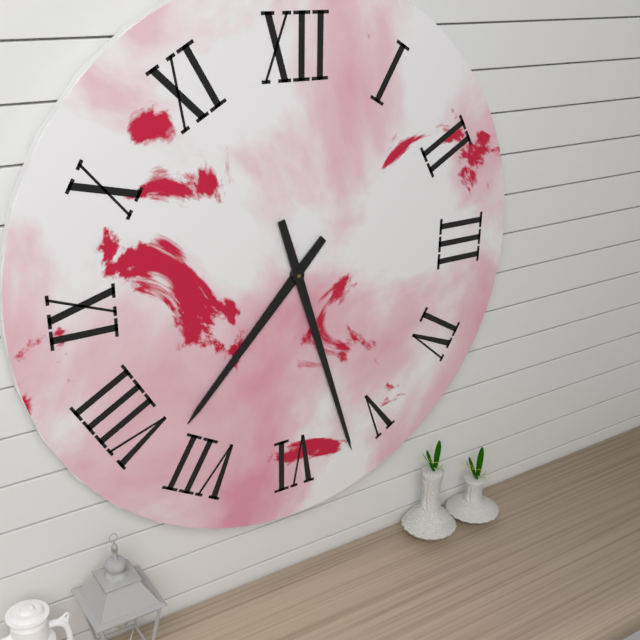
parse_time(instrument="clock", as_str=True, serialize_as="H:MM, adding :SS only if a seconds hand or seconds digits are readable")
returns 7:27
